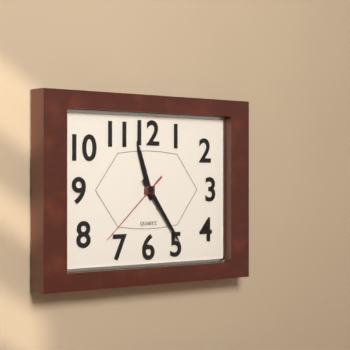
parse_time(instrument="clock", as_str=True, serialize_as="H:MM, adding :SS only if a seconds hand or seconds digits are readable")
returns 11:24:38
